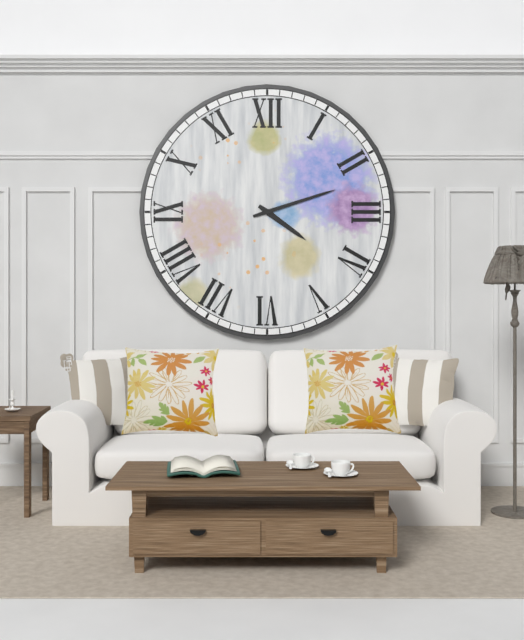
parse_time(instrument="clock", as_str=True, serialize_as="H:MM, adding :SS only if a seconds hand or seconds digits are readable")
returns 4:12
